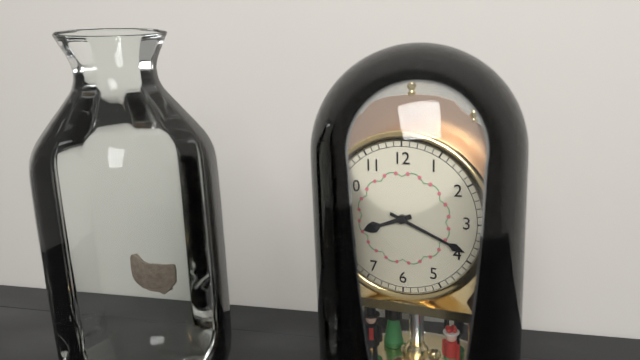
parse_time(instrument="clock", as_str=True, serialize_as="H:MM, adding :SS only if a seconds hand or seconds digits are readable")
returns 8:19
